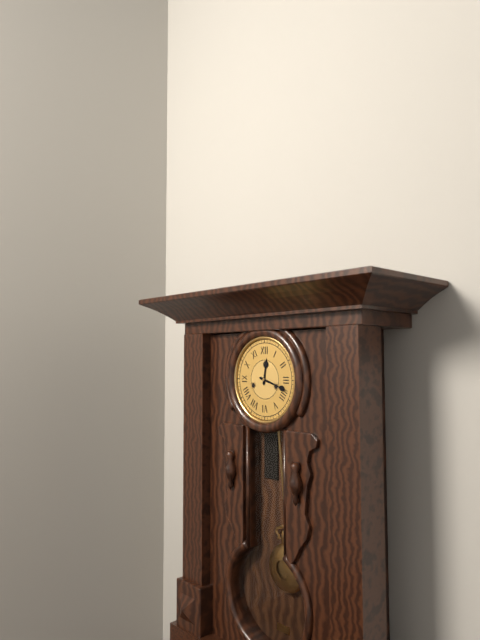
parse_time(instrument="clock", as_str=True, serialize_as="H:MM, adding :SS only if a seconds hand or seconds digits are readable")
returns 12:18
